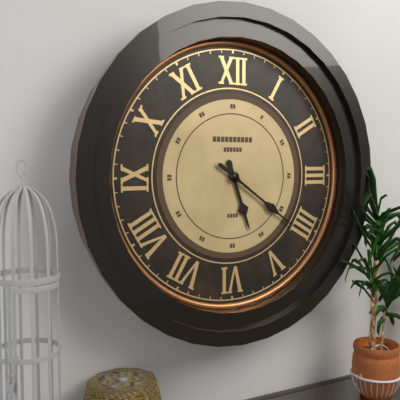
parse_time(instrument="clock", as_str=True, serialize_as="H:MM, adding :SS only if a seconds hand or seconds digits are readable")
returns 5:21
